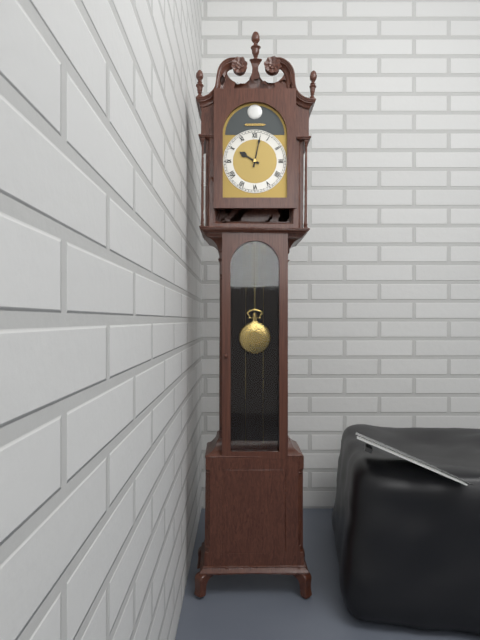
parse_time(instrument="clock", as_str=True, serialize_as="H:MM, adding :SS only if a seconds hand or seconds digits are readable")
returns 10:02
